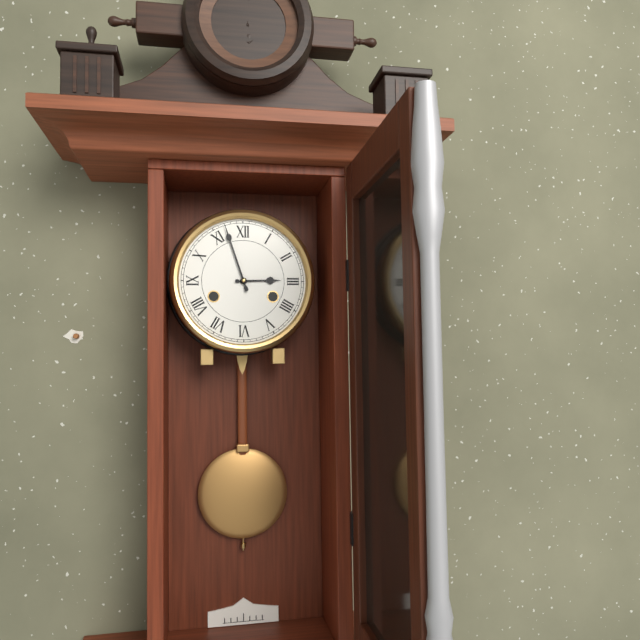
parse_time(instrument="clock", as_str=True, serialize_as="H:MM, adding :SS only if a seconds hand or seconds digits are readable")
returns 2:57
